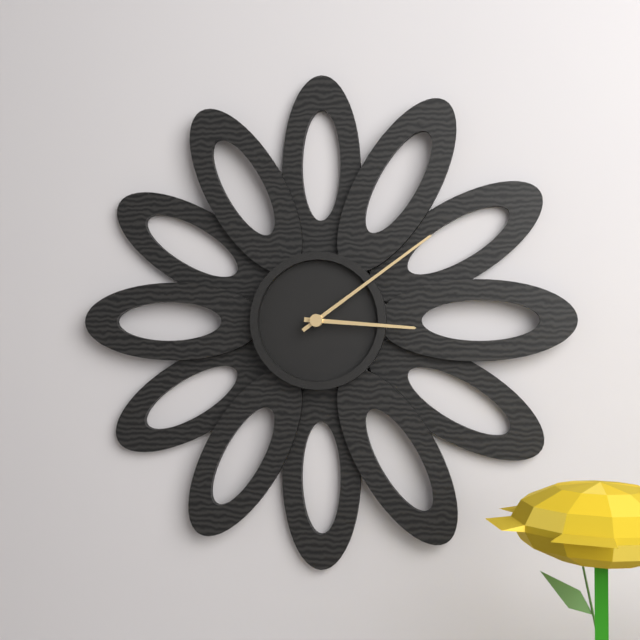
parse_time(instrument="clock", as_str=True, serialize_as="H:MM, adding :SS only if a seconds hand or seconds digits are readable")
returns 3:09
